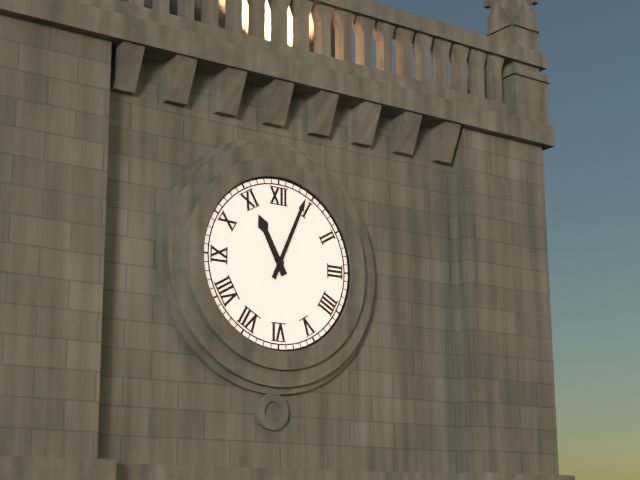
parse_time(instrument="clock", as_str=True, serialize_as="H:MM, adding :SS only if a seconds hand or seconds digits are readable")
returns 11:04
